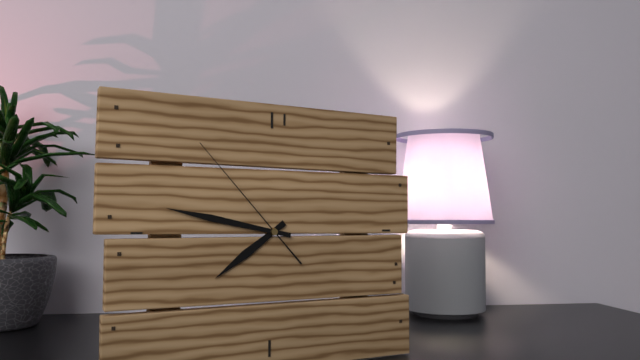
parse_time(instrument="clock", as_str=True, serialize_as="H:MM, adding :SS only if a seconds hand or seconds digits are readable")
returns 7:47:53
